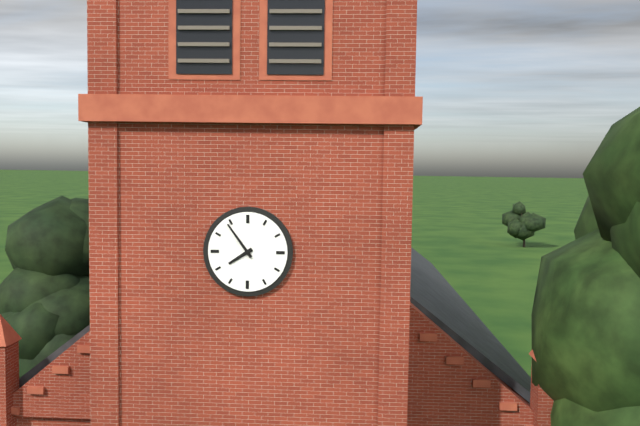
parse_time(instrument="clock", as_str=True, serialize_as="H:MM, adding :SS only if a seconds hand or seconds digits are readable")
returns 7:54
